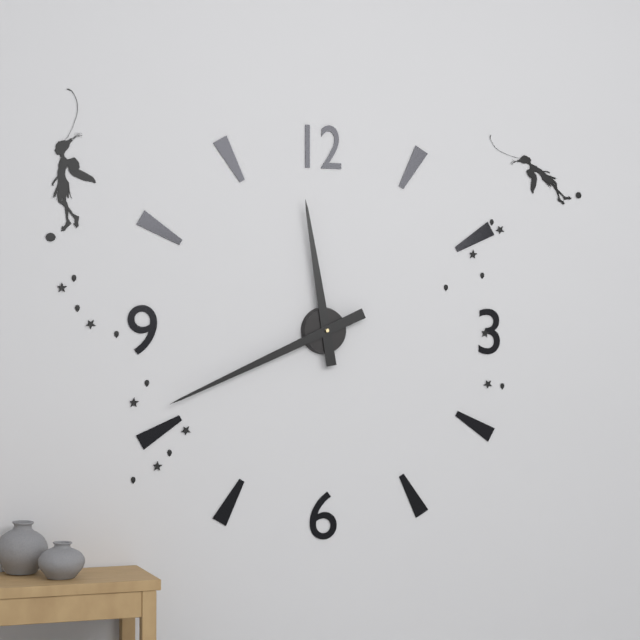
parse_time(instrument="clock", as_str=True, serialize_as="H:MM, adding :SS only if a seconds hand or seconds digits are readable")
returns 11:41
